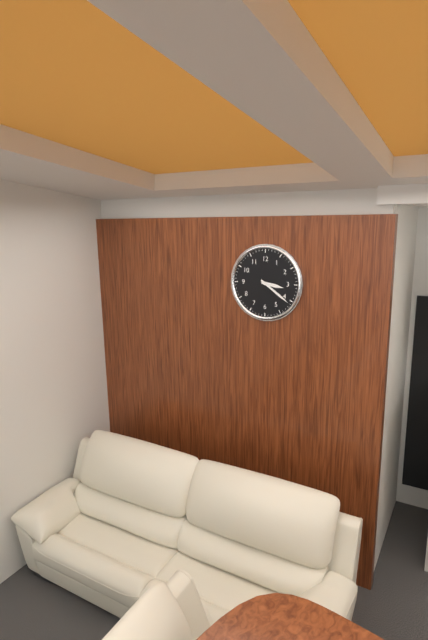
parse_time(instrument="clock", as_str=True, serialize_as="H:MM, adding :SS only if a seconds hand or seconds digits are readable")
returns 3:21
